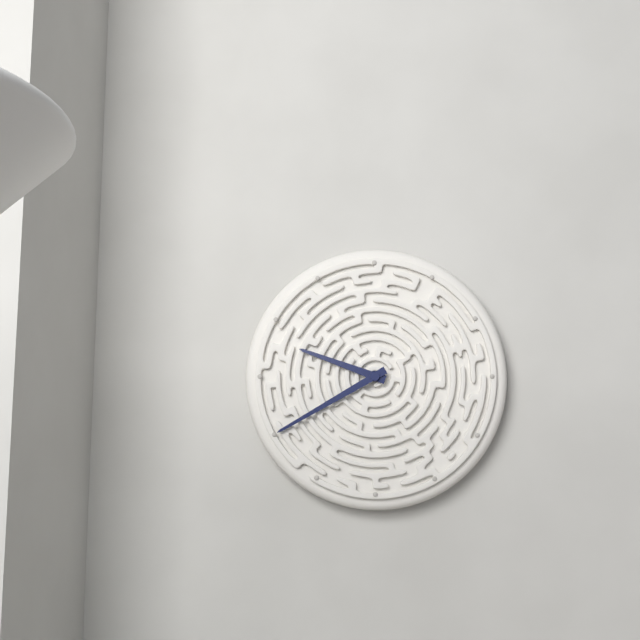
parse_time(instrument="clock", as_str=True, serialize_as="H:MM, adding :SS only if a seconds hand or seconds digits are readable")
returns 9:40
